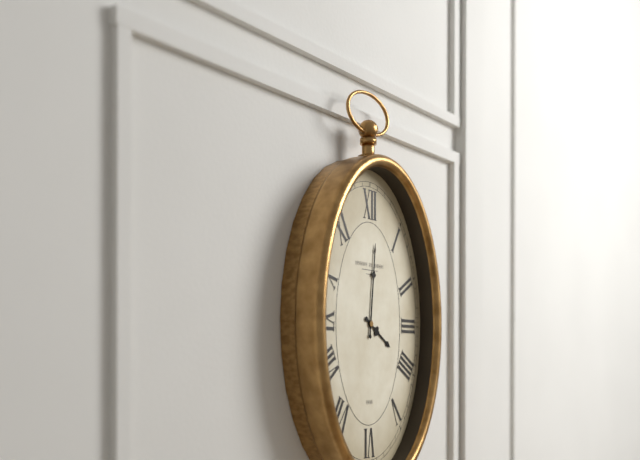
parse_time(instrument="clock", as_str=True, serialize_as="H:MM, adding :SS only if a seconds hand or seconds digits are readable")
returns 4:01
